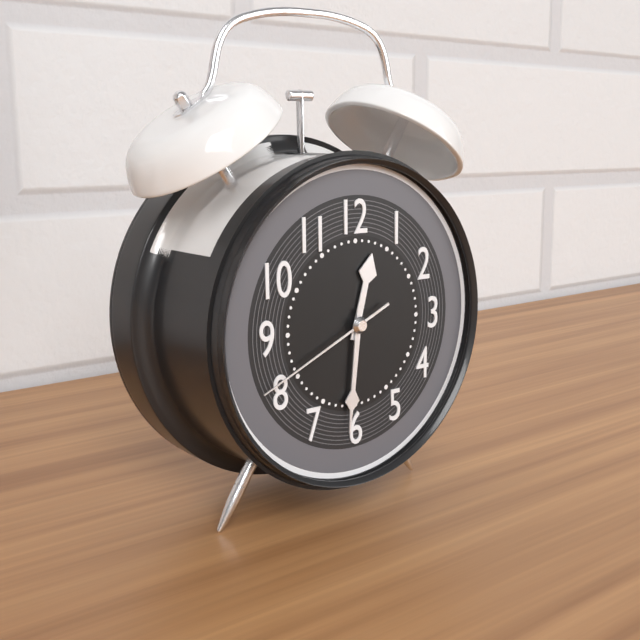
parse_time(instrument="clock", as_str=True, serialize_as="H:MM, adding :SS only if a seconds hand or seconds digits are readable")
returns 12:31:41
